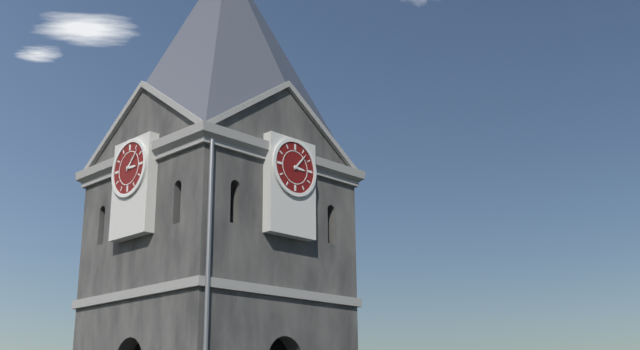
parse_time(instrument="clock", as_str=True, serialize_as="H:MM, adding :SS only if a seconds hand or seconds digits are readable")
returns 3:07
